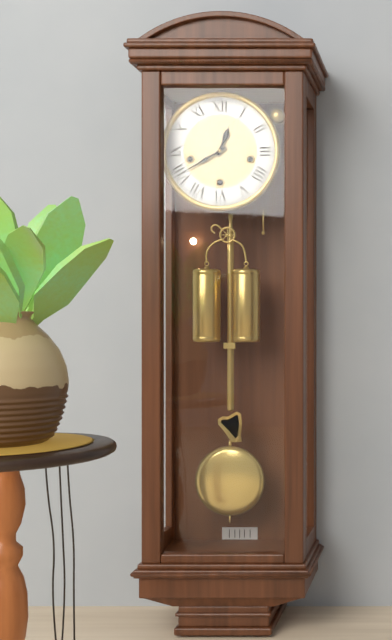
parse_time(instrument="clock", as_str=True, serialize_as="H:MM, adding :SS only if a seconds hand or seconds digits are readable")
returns 12:40
